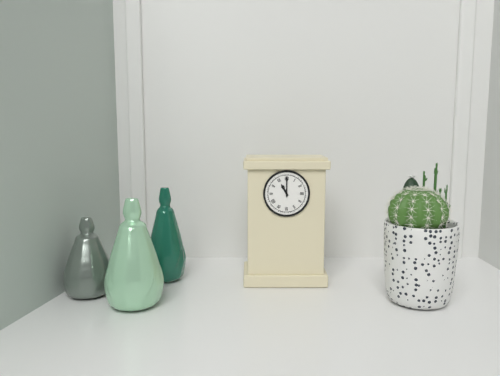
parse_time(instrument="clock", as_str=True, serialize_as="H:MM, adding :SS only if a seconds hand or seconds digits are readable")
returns 11:00
